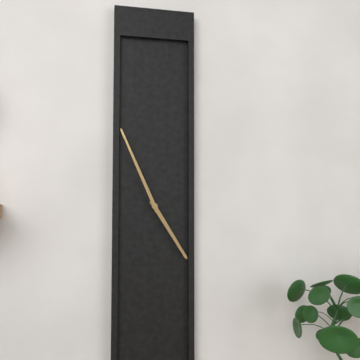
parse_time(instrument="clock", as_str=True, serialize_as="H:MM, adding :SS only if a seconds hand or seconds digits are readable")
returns 4:56
